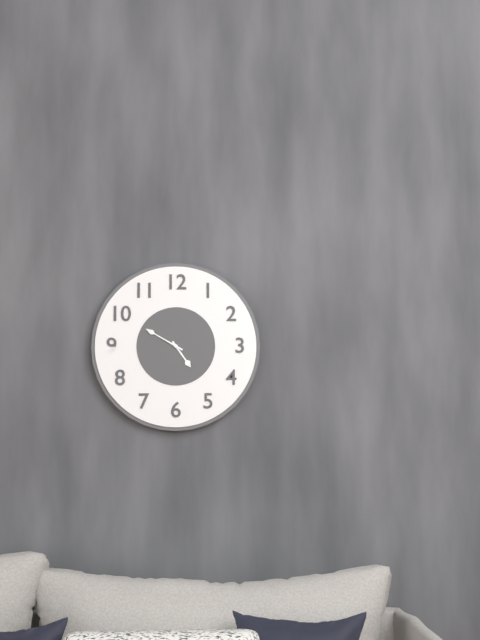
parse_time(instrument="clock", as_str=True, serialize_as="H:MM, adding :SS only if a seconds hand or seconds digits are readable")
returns 4:50
